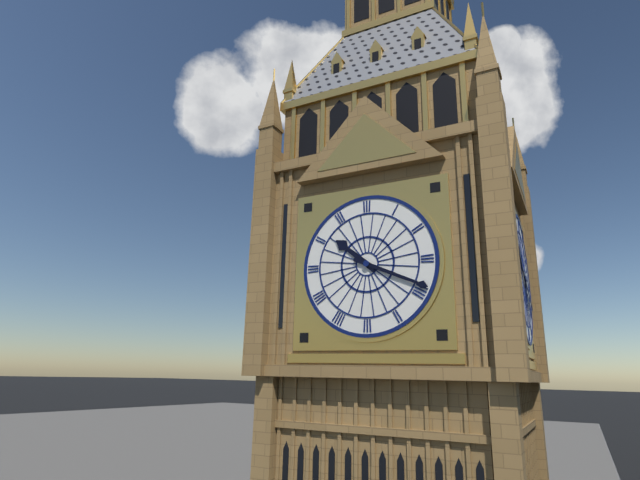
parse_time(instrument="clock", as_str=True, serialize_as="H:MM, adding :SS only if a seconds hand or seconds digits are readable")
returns 10:19
